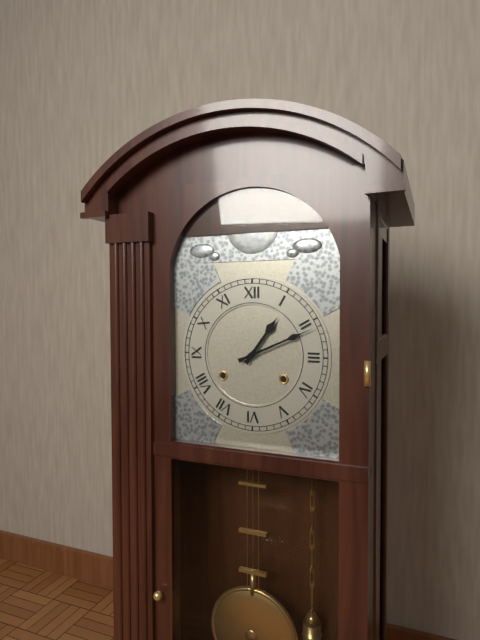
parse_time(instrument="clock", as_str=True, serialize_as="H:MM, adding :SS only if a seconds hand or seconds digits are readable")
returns 1:11
